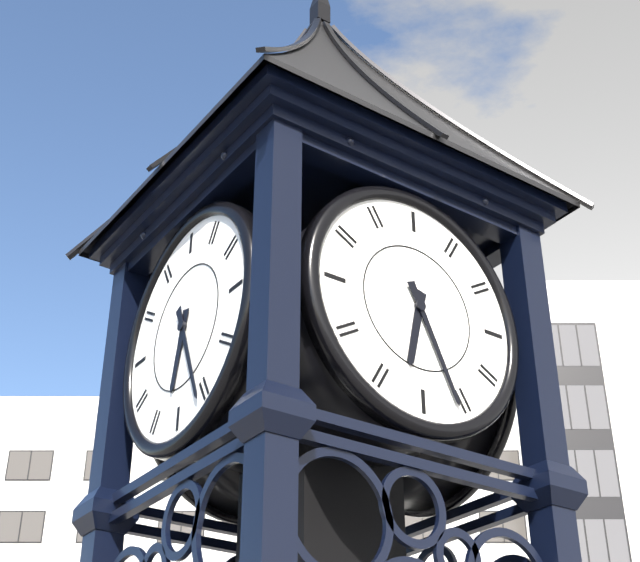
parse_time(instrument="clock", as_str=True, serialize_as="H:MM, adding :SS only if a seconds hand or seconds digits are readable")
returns 6:26
